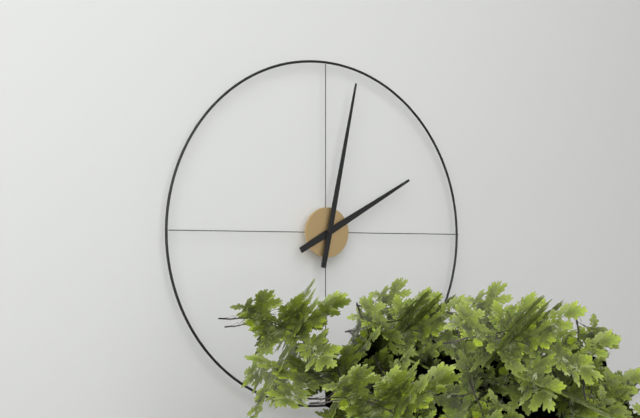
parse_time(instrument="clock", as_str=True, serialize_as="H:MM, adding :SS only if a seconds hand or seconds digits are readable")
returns 2:02
